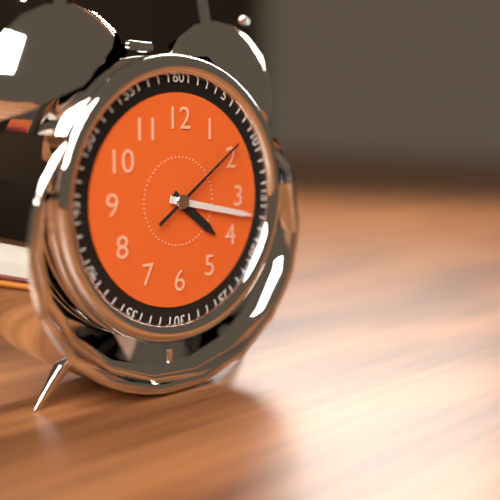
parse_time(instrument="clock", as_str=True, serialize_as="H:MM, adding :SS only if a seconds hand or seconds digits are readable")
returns 4:17:09
